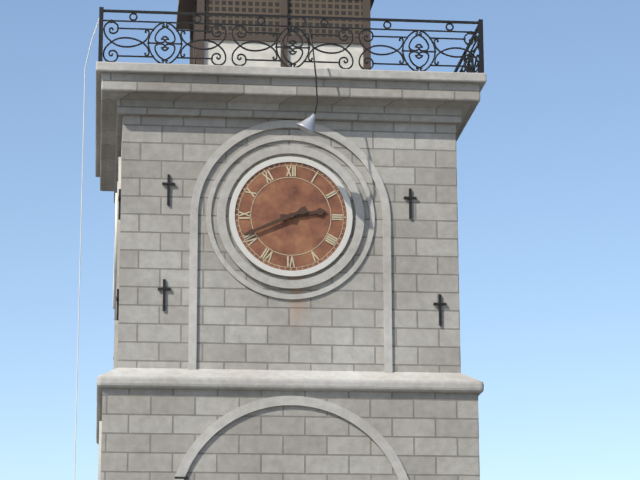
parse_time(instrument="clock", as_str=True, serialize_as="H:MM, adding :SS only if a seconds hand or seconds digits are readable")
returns 2:41
